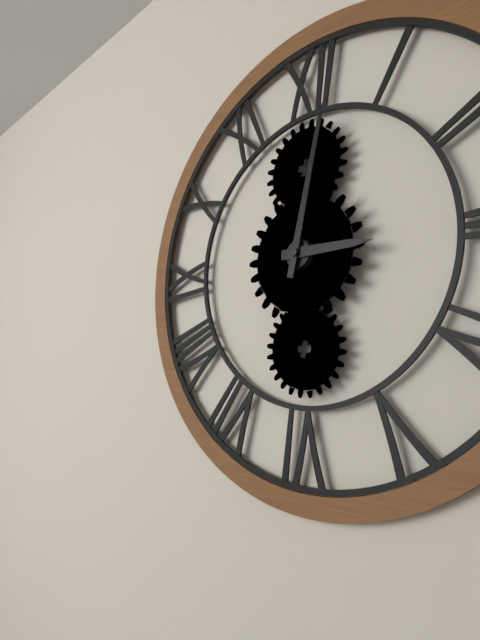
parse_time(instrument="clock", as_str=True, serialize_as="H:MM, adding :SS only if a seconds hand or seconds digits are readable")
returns 3:02
